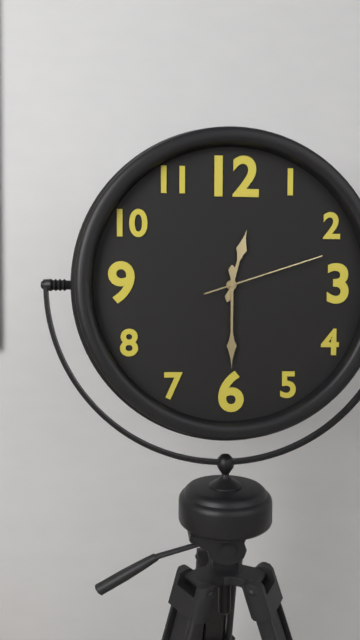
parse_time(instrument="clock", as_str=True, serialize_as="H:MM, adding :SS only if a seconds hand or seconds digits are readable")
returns 12:30:12
